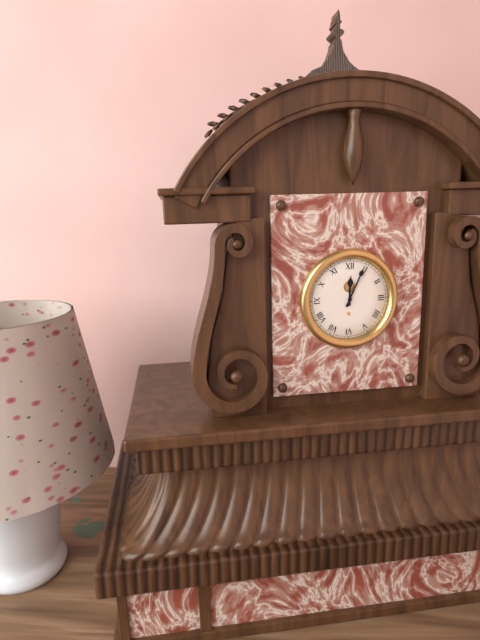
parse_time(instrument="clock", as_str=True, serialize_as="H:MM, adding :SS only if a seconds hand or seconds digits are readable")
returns 12:04
